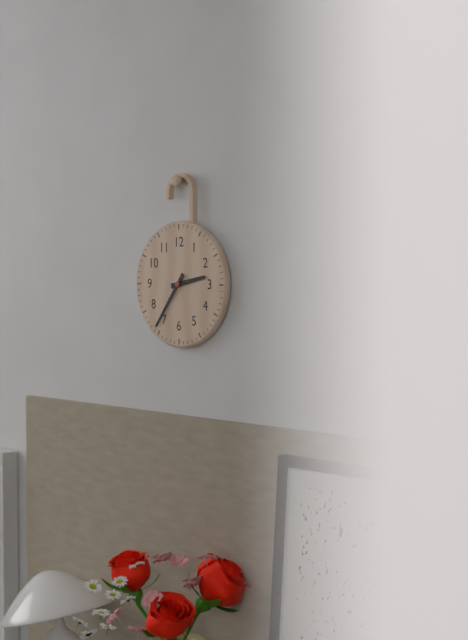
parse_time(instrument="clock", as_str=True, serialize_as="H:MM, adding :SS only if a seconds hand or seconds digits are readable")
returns 2:36
